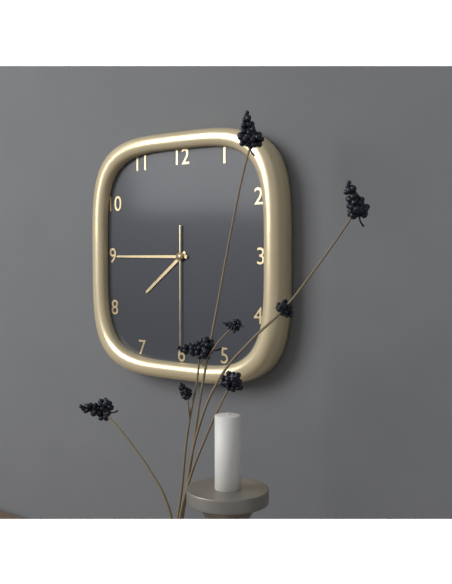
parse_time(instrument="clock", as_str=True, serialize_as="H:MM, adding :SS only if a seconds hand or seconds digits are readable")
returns 7:45:30
